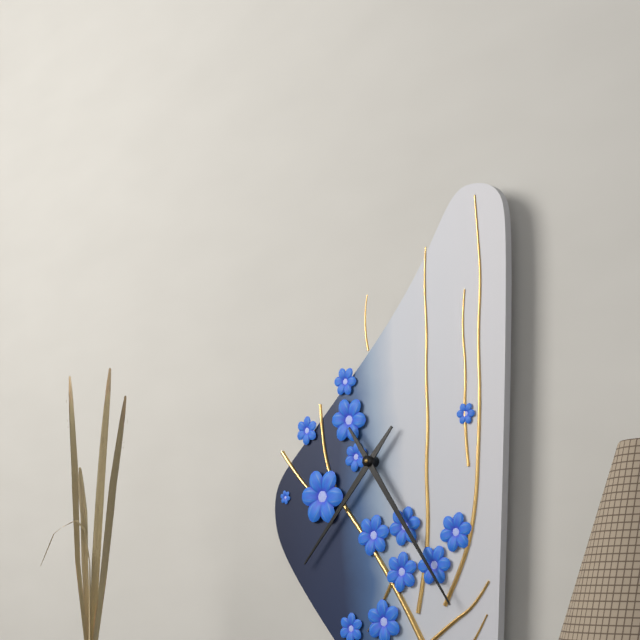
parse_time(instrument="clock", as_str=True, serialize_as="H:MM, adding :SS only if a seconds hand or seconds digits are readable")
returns 7:24
